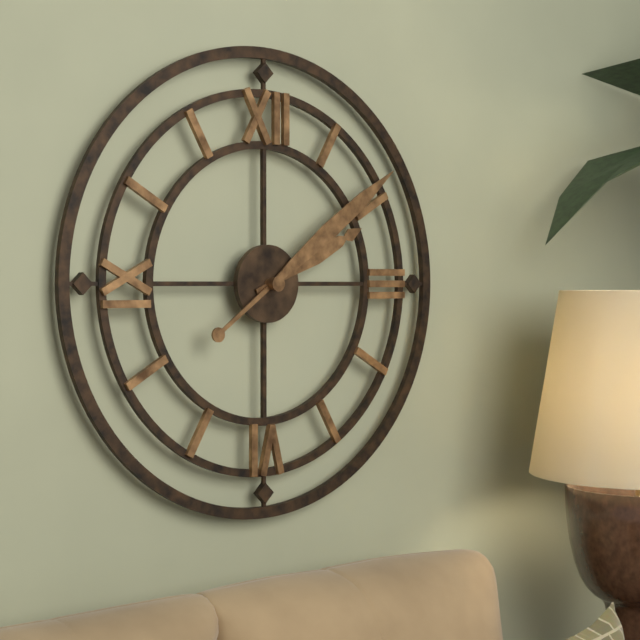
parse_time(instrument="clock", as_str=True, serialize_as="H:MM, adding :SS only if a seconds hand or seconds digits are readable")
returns 2:09
